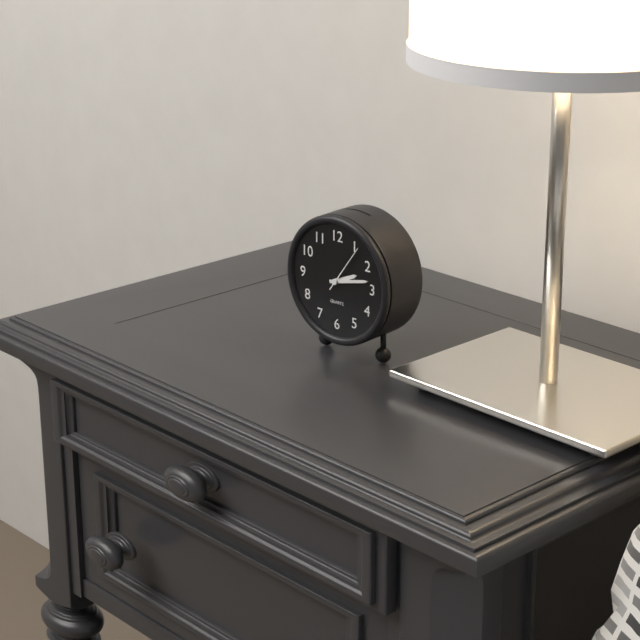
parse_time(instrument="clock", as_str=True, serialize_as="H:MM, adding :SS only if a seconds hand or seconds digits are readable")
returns 2:13:06
